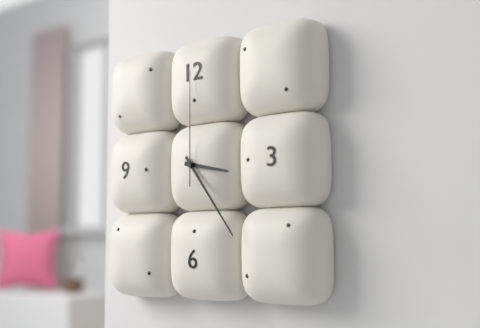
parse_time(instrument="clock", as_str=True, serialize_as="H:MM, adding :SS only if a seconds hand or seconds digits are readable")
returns 3:24:00
